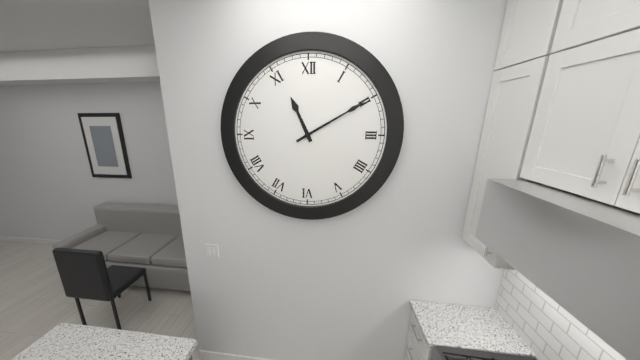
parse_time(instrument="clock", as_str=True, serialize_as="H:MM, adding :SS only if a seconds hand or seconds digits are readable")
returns 11:10
